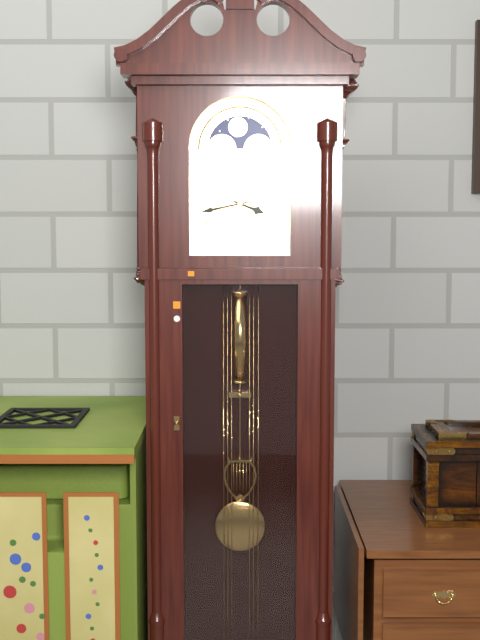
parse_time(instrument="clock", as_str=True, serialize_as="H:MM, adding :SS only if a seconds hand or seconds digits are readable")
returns 3:43
